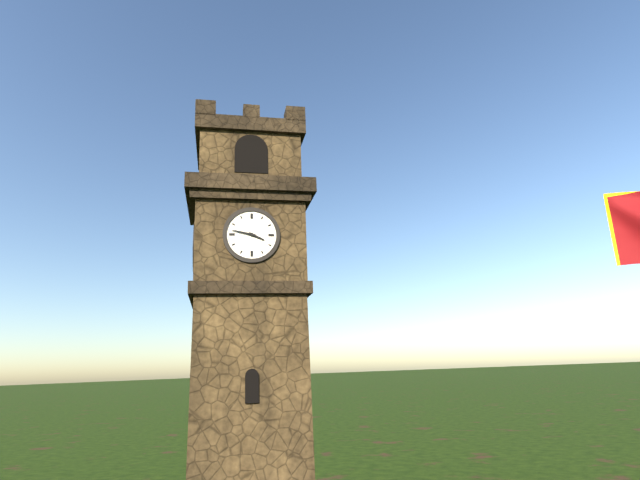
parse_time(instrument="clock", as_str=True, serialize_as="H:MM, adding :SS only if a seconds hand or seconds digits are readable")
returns 3:47
